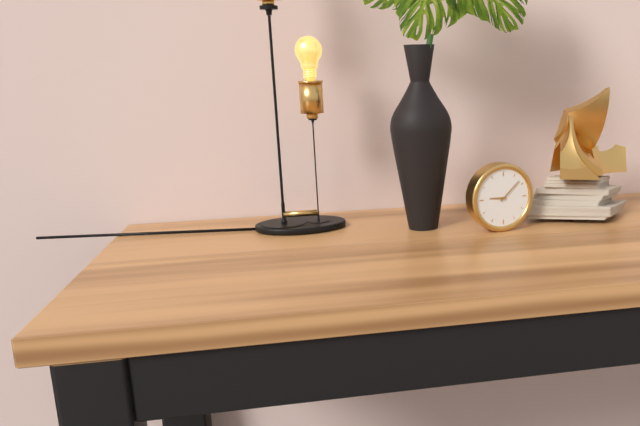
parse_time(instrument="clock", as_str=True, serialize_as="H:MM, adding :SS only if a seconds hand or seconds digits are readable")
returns 9:08
